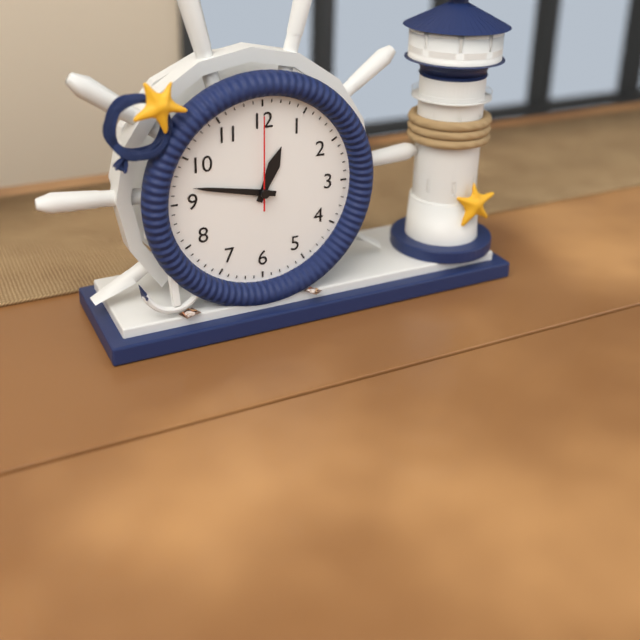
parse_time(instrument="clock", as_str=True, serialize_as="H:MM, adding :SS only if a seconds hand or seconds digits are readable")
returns 12:47:00
